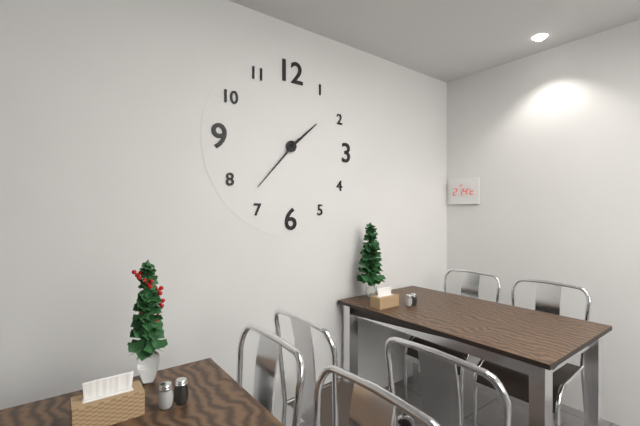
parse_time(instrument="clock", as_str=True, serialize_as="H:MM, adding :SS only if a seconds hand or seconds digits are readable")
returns 1:37
